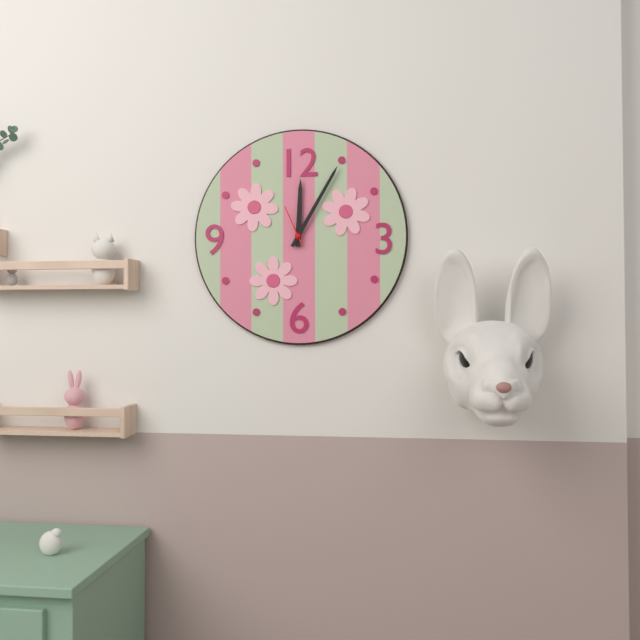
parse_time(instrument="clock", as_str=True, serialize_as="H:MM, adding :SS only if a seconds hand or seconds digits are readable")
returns 12:05
